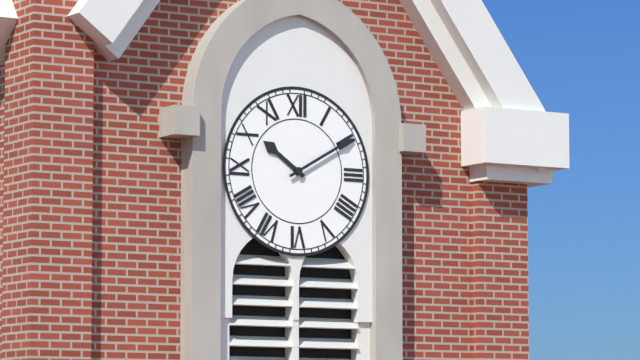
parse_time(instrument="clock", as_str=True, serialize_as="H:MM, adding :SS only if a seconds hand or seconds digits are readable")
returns 10:10
